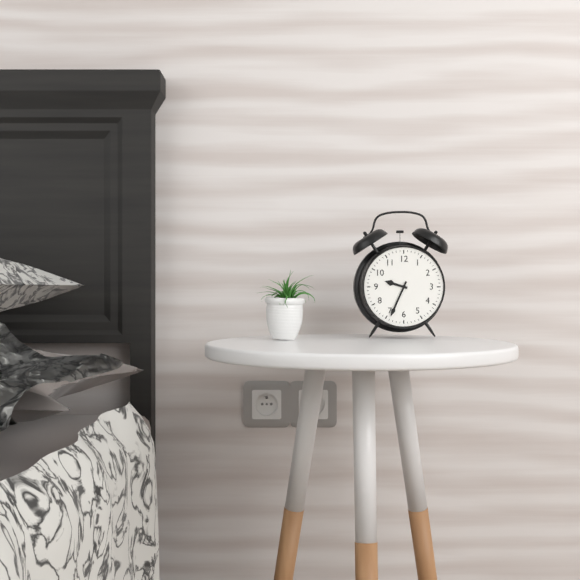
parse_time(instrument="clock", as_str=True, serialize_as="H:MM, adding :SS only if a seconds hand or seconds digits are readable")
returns 9:34
